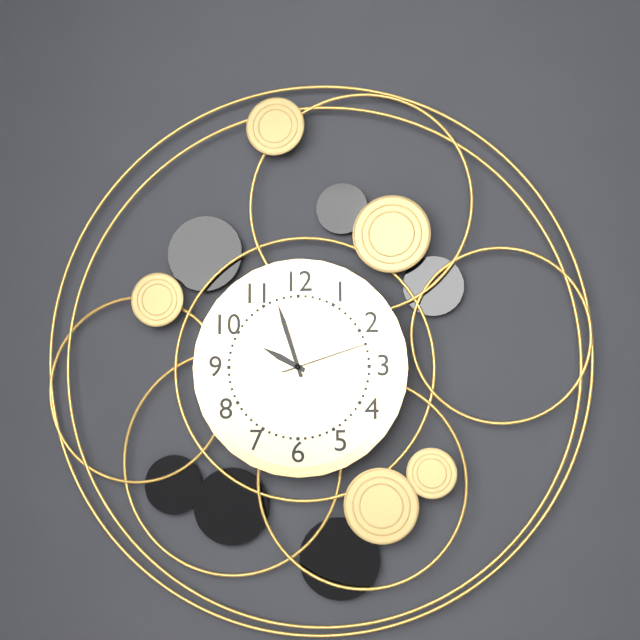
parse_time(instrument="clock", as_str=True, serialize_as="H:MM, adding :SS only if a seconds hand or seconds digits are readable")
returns 9:57:12
